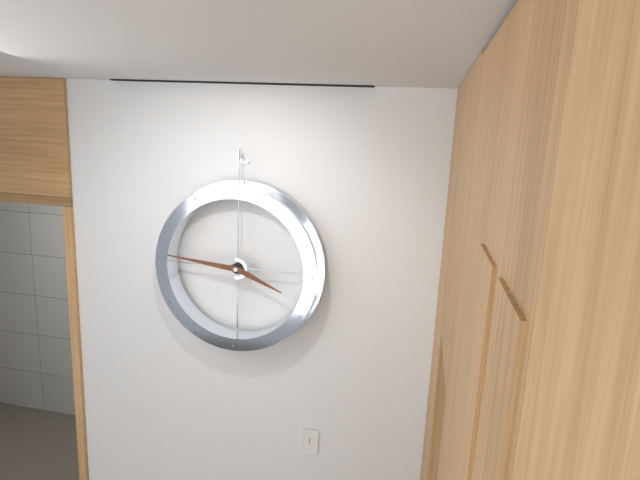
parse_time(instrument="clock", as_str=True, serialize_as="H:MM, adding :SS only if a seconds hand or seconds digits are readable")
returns 3:46
